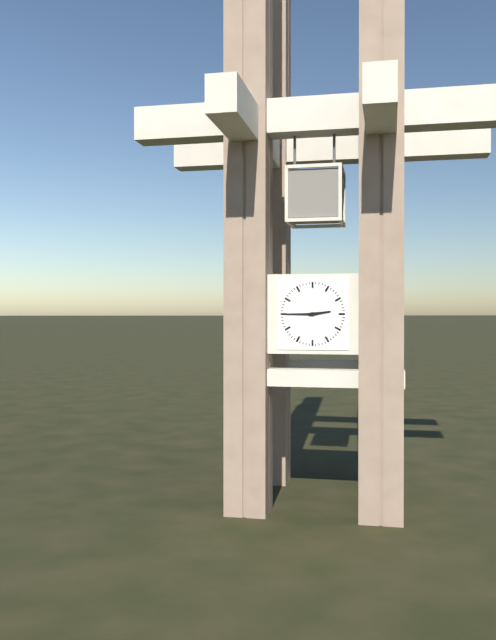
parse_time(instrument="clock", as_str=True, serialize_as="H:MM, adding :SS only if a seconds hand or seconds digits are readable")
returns 2:45
